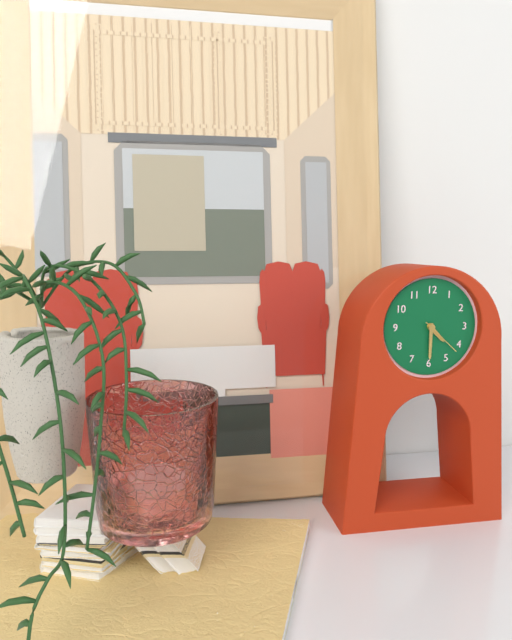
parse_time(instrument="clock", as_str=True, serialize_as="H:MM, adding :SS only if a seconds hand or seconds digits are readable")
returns 4:30
